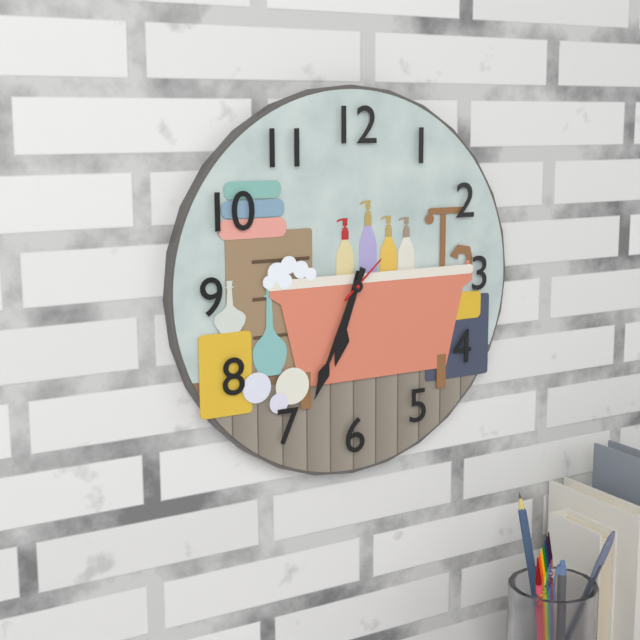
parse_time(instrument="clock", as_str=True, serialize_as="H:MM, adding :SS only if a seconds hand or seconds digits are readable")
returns 6:34
